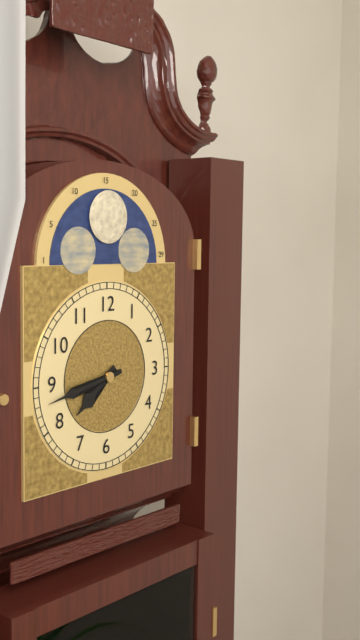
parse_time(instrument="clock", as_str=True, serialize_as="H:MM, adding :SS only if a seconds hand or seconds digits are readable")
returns 7:43
